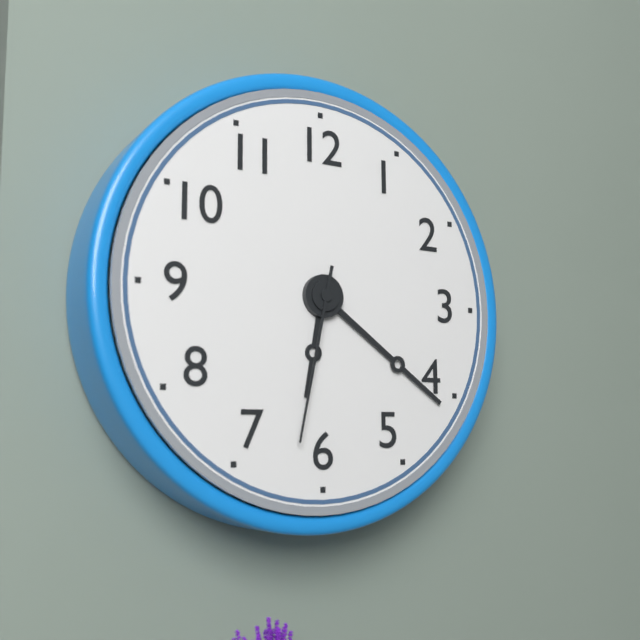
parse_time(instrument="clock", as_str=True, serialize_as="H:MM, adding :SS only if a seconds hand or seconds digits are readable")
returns 6:21:32
